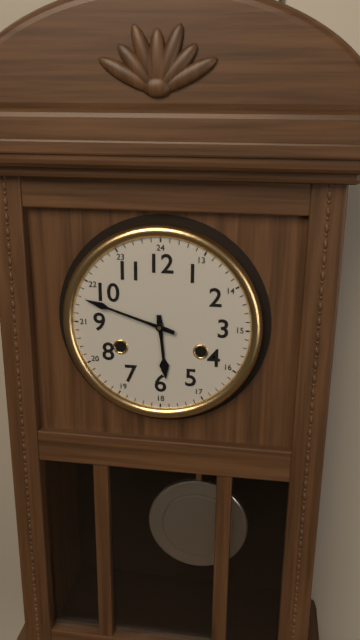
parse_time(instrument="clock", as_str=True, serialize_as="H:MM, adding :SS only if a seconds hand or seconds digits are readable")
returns 5:48
